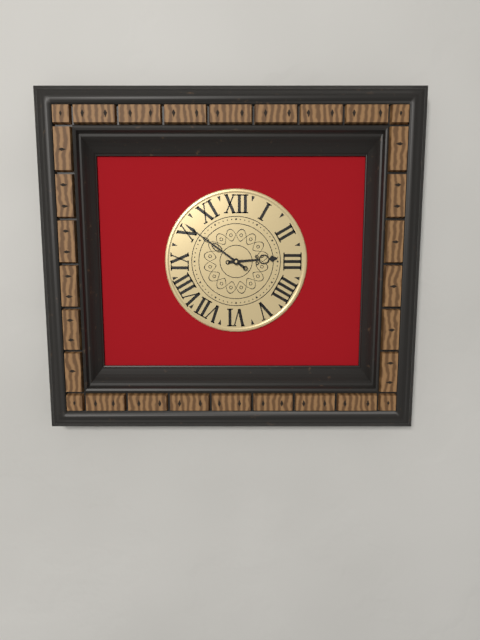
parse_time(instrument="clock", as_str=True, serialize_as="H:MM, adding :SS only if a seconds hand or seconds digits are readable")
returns 2:51
